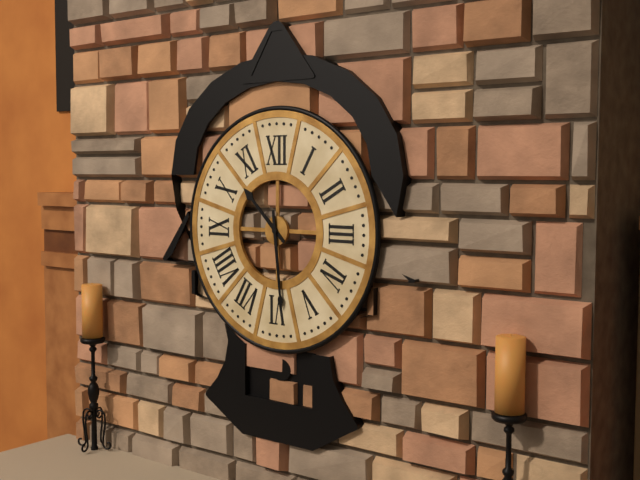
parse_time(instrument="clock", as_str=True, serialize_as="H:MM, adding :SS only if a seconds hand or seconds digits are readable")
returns 10:29
